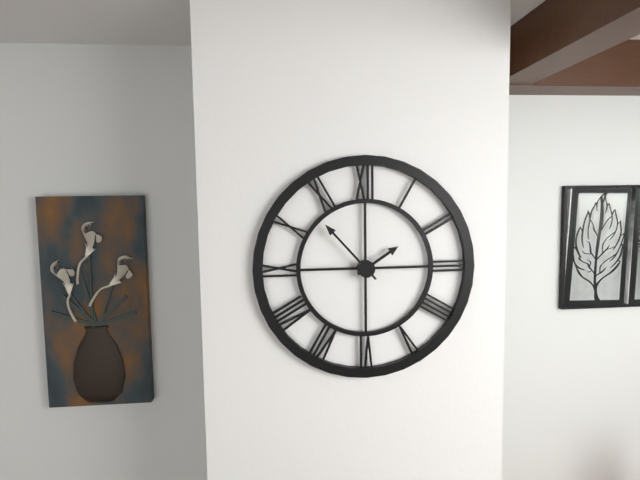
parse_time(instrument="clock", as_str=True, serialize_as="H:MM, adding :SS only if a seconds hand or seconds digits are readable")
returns 1:53
